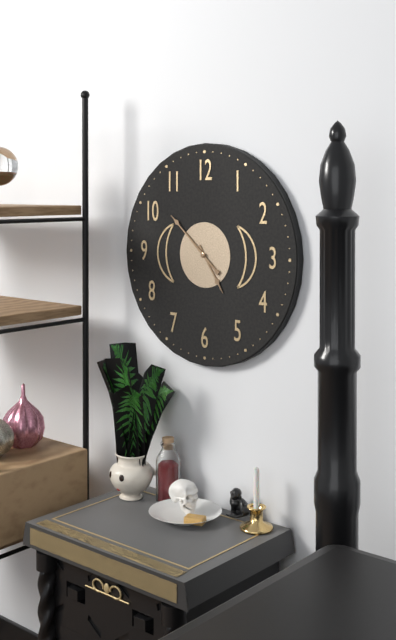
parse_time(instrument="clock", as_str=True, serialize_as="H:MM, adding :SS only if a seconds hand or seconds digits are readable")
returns 4:52
